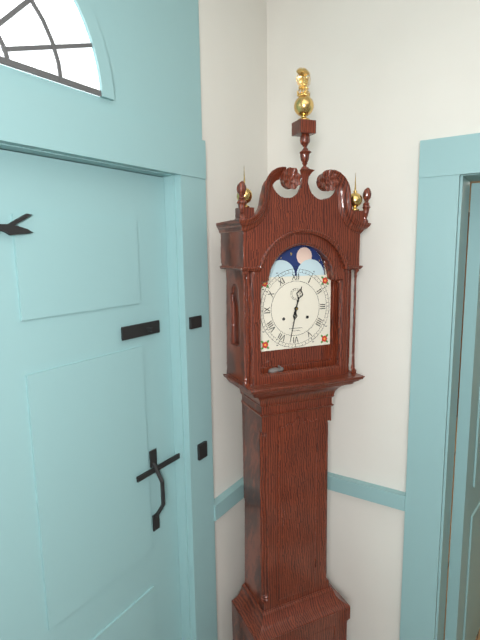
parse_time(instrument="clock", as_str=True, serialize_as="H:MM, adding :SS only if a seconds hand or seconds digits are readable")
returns 12:32
